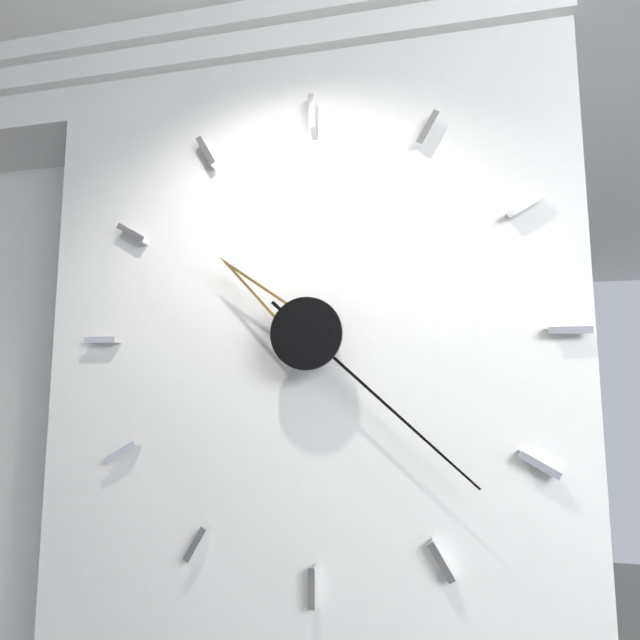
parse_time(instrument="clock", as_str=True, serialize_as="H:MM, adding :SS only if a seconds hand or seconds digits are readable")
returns 10:22
